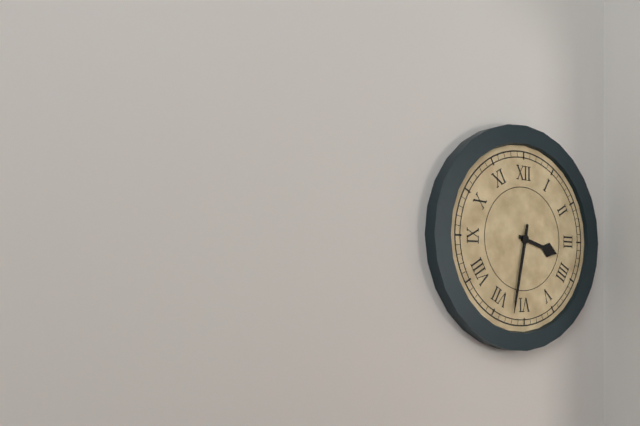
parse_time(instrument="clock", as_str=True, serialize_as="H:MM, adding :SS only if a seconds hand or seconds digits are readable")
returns 3:32
